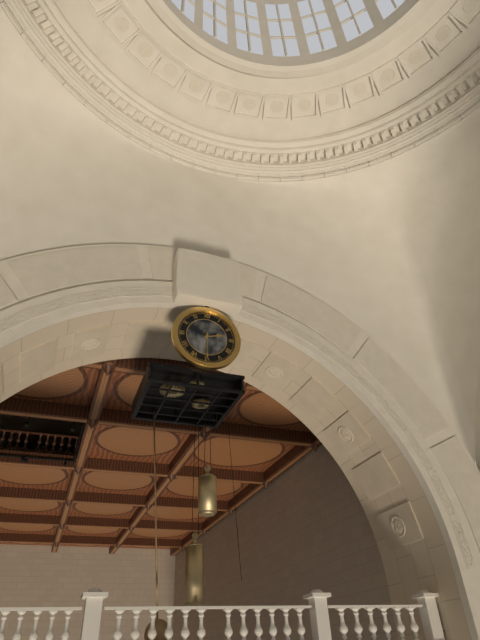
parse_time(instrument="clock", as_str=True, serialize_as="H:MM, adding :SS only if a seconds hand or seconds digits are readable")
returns 2:30
